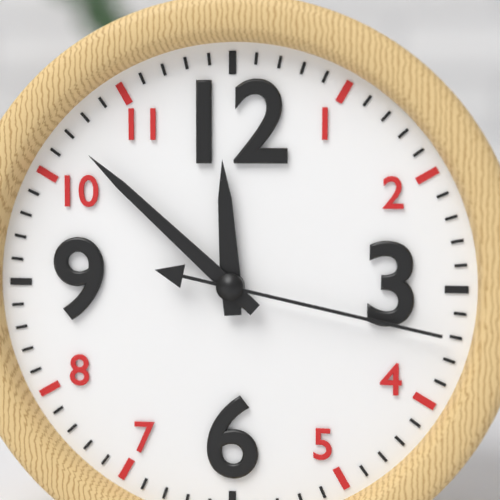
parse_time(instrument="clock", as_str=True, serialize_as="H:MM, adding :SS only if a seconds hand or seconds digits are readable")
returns 11:52:17
